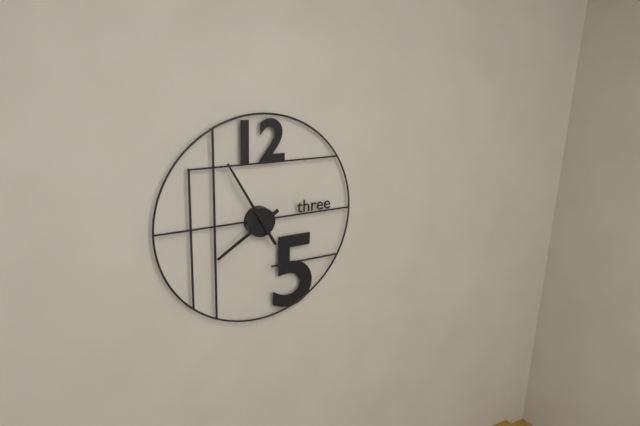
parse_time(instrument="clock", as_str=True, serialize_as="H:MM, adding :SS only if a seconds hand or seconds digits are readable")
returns 7:55
